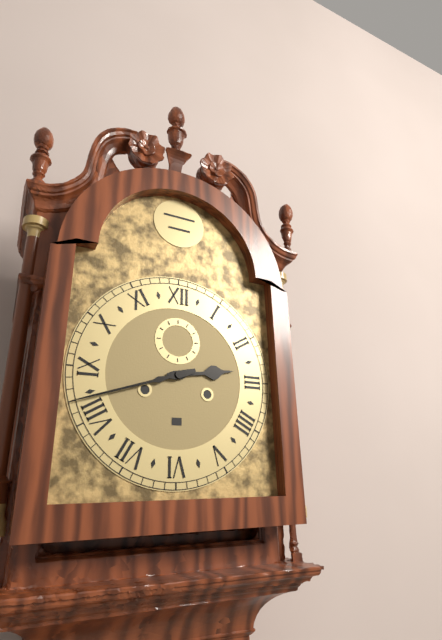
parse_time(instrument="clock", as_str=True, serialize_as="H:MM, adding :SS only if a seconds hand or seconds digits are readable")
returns 2:42
